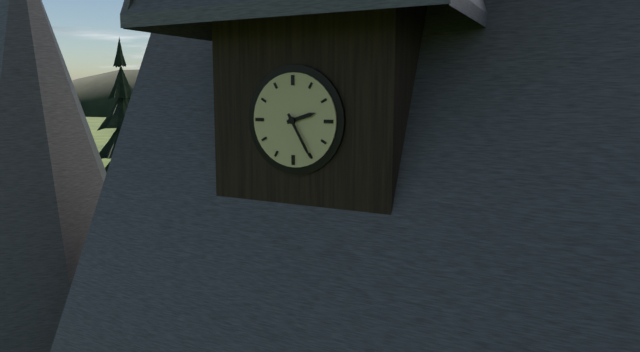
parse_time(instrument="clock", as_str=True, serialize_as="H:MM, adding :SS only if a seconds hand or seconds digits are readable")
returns 2:25
